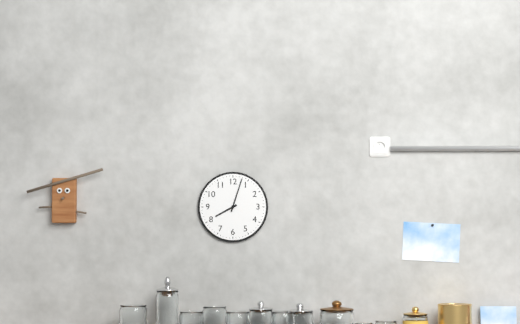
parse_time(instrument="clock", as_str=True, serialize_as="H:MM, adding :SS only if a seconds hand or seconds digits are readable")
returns 8:03
